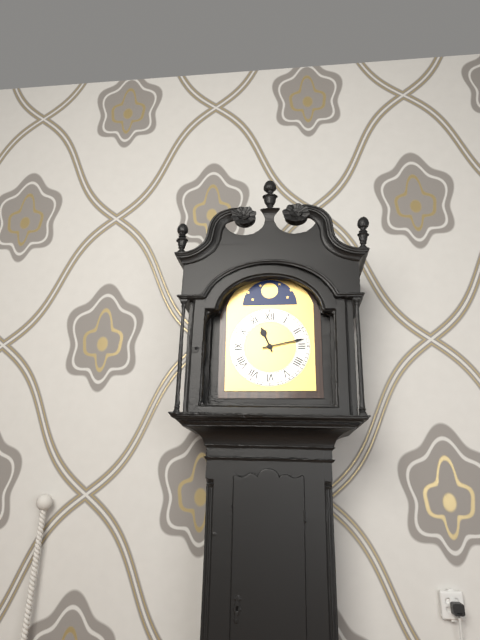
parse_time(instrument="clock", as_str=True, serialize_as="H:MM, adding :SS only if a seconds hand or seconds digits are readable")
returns 11:13
